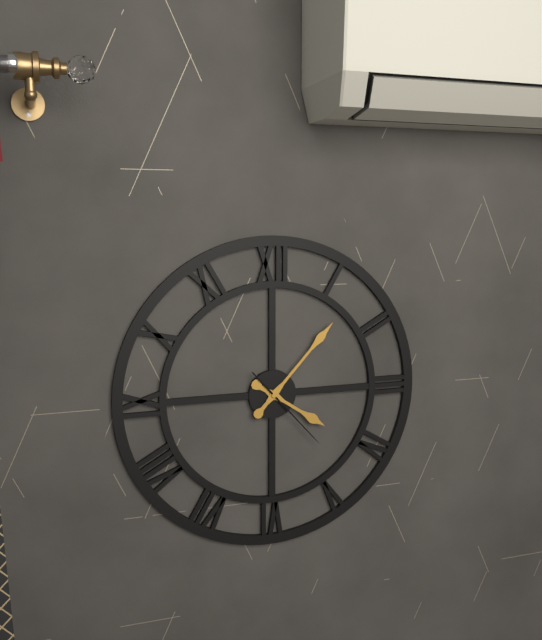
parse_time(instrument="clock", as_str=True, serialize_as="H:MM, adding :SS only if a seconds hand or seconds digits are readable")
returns 4:07:23
